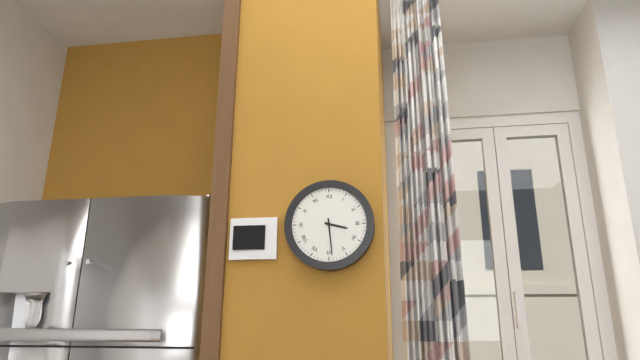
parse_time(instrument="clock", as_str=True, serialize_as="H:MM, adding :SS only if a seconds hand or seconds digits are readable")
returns 3:29
